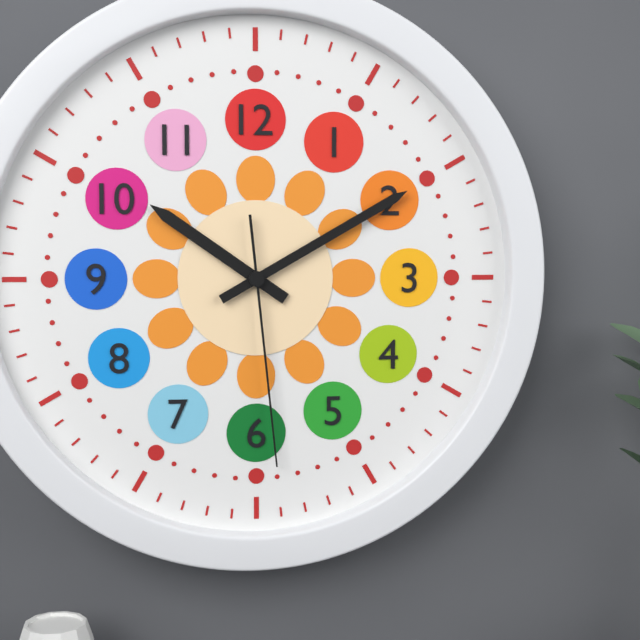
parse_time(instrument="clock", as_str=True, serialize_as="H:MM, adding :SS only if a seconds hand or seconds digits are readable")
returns 10:10:29
